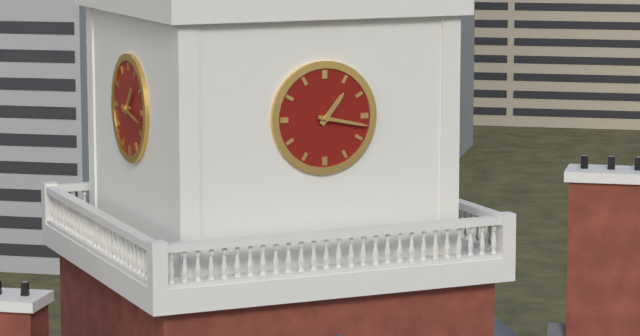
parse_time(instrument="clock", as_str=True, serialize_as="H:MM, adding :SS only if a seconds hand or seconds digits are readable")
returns 1:17
